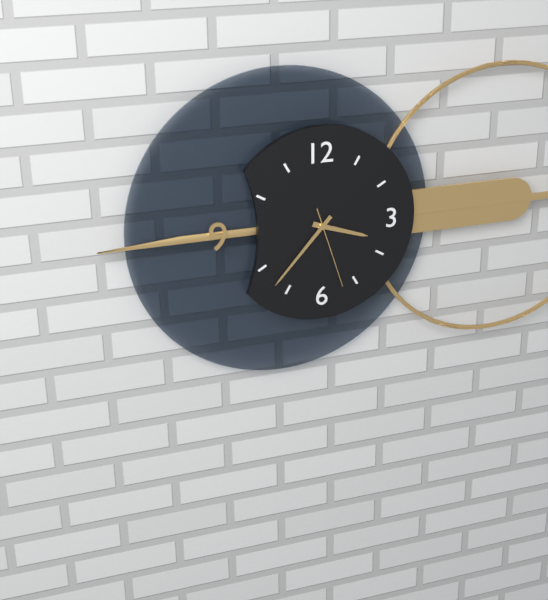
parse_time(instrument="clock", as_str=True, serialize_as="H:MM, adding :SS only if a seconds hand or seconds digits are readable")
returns 3:37:27
